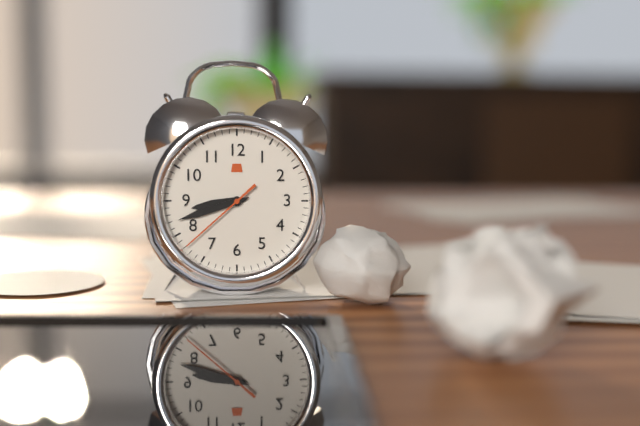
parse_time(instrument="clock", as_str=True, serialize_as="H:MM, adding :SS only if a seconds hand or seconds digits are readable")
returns 8:42:38
